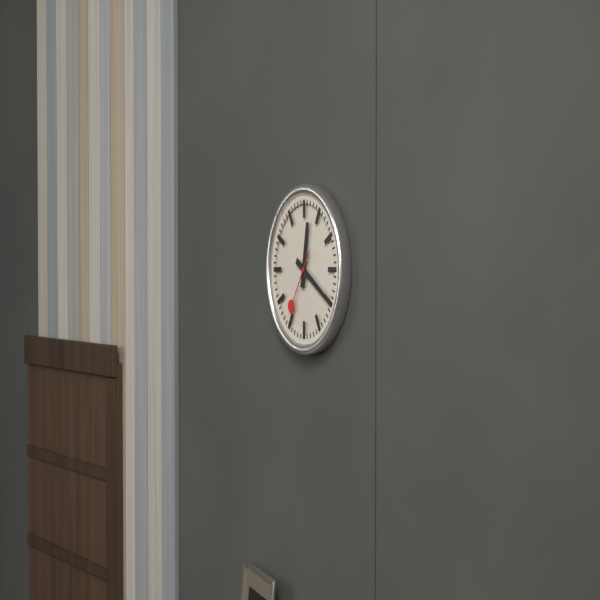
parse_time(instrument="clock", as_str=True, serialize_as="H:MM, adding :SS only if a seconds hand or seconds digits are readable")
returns 12:20:36
